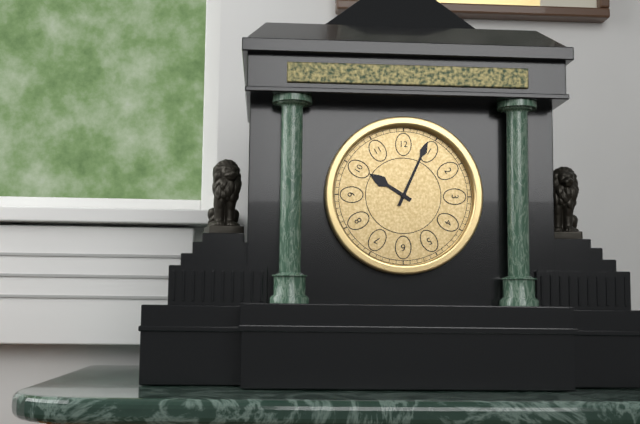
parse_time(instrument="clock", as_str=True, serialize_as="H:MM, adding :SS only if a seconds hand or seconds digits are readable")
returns 10:04
